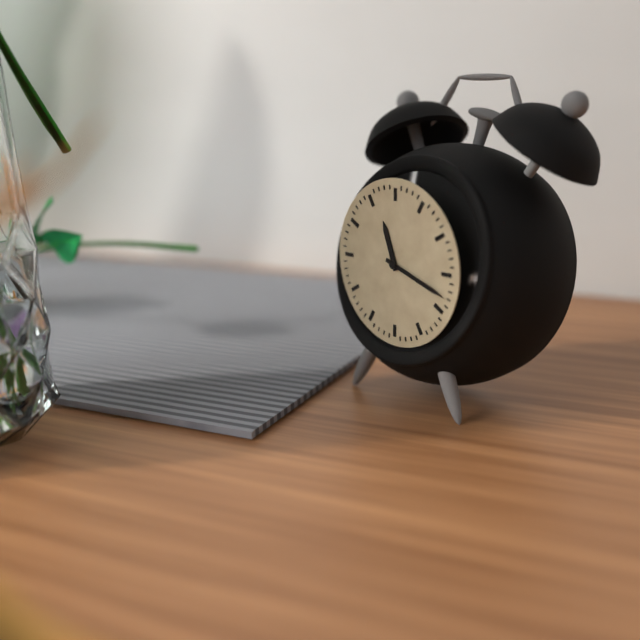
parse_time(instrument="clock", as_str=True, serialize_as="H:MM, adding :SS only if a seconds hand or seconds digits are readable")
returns 11:18
